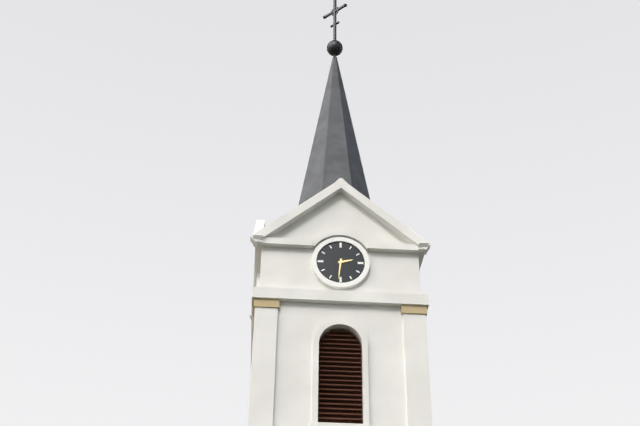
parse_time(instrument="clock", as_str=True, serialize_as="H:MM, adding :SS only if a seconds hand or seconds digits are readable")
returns 2:31
